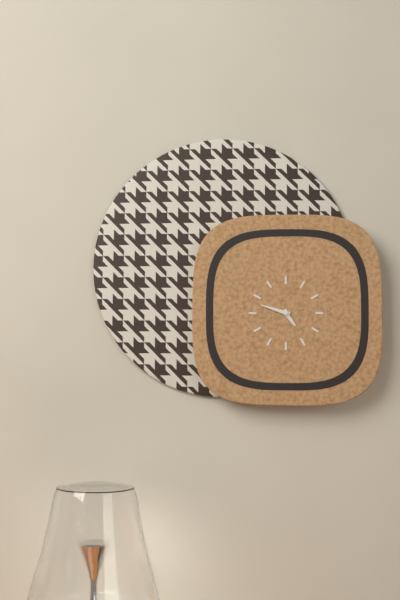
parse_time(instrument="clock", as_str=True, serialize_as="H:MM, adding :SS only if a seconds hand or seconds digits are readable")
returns 4:48
